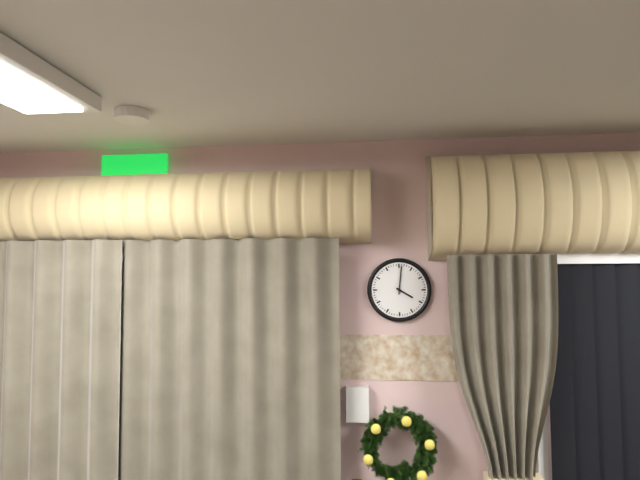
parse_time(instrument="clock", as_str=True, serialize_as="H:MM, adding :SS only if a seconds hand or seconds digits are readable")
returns 4:01
